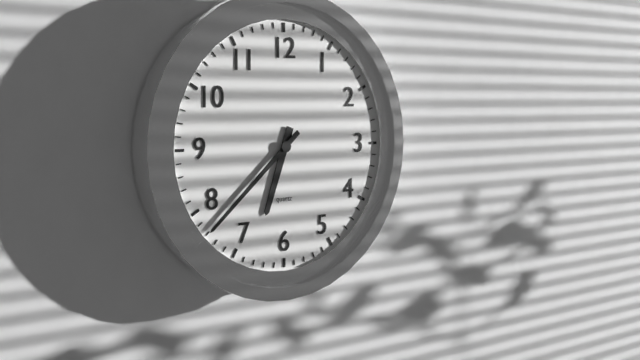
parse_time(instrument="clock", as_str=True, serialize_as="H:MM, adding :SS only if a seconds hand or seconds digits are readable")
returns 6:38
